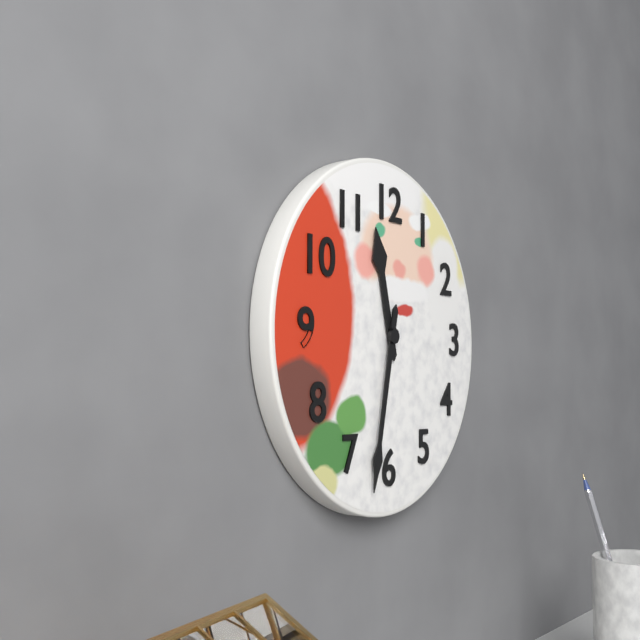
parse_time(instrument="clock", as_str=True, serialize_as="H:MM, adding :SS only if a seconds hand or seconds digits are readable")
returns 11:32
